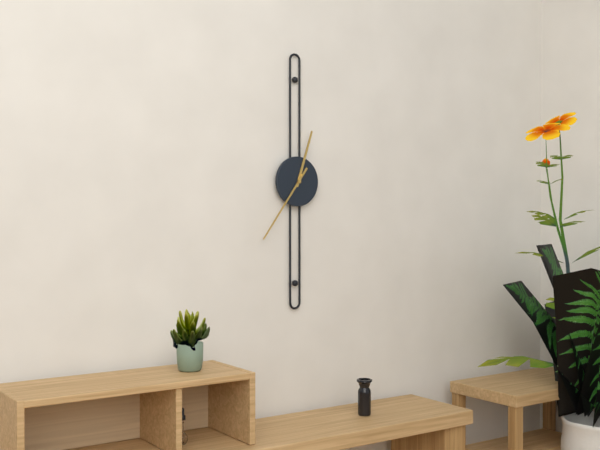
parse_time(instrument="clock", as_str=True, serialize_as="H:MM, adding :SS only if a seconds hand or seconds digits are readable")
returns 12:36
